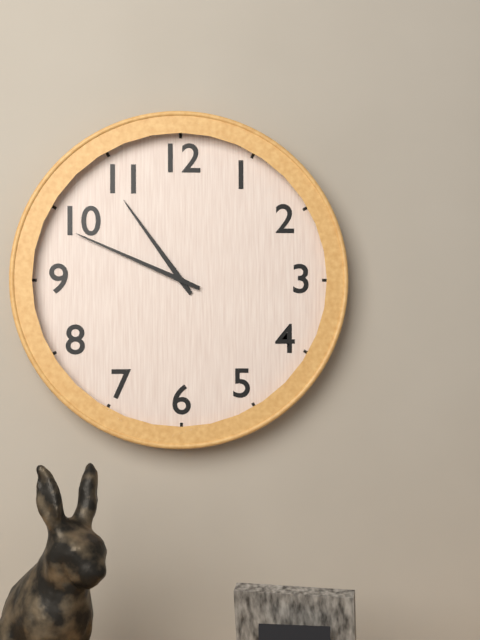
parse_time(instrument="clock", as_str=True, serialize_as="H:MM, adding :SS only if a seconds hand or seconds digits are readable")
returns 10:49
